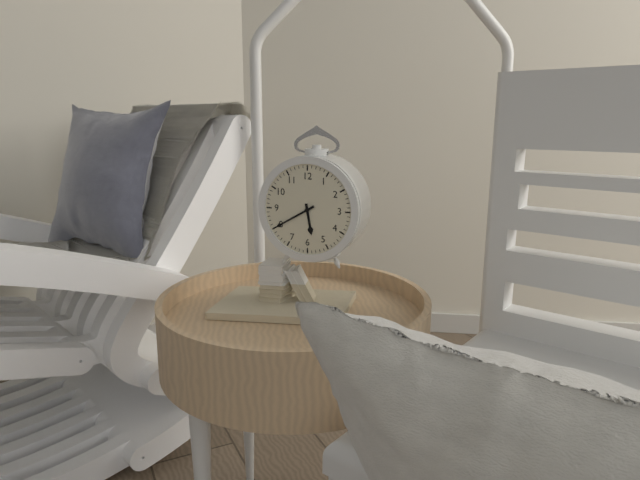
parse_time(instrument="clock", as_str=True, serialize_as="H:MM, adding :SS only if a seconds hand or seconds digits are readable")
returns 5:40
